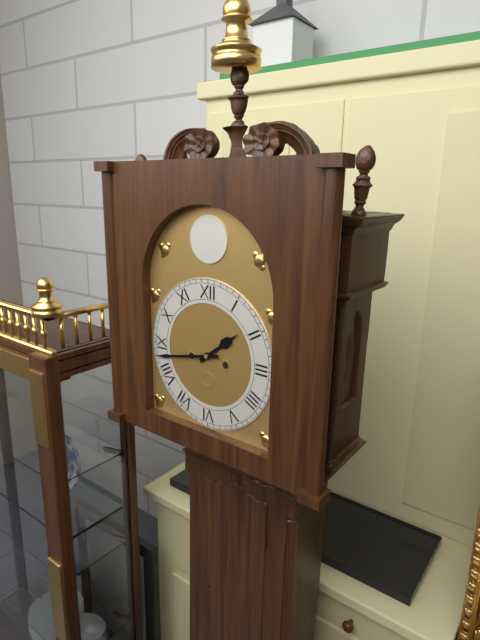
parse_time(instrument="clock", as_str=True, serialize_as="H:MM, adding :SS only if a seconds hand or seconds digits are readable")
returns 1:43
